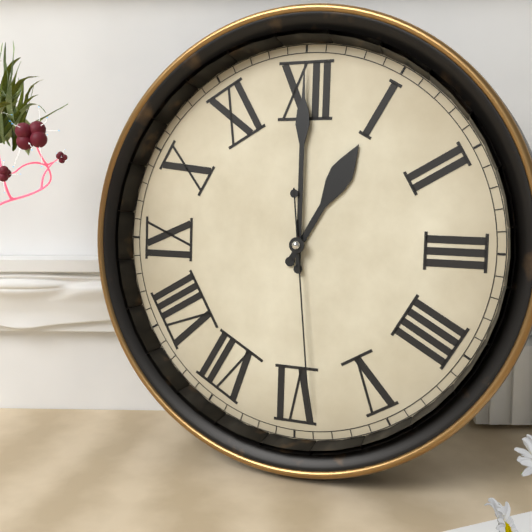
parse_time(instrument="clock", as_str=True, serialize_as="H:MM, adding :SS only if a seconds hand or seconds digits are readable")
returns 1:00:29
